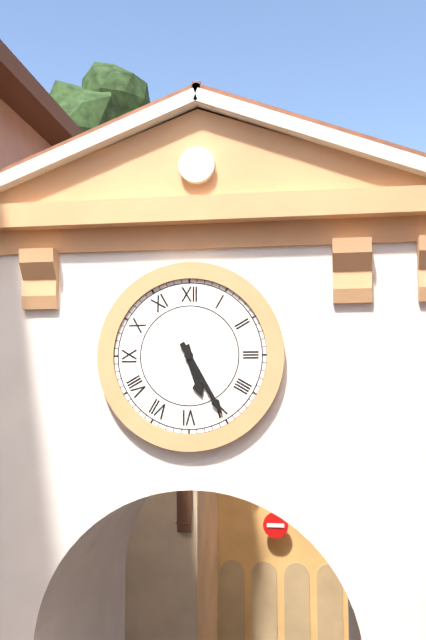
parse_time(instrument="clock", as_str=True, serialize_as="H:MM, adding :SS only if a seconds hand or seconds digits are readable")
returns 5:25
